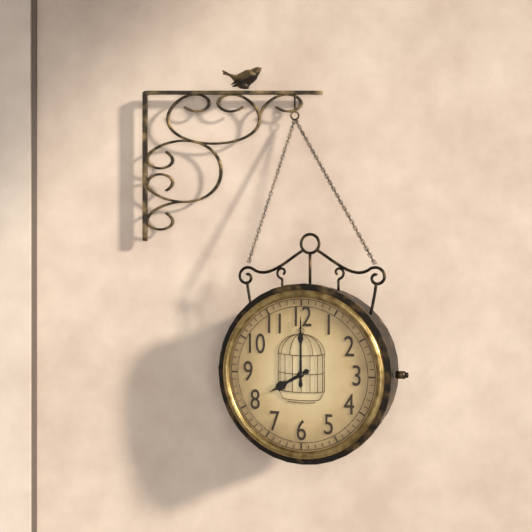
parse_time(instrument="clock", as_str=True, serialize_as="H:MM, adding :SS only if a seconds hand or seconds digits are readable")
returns 8:00
